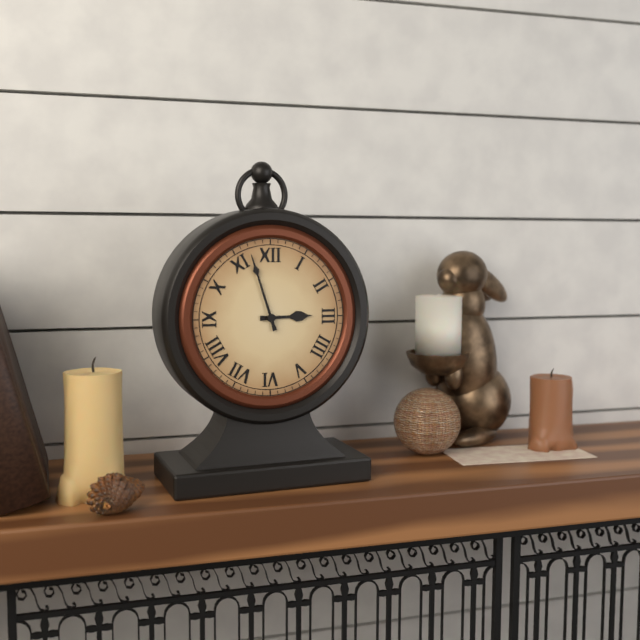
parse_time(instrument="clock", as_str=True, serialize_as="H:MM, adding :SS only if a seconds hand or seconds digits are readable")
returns 2:57
